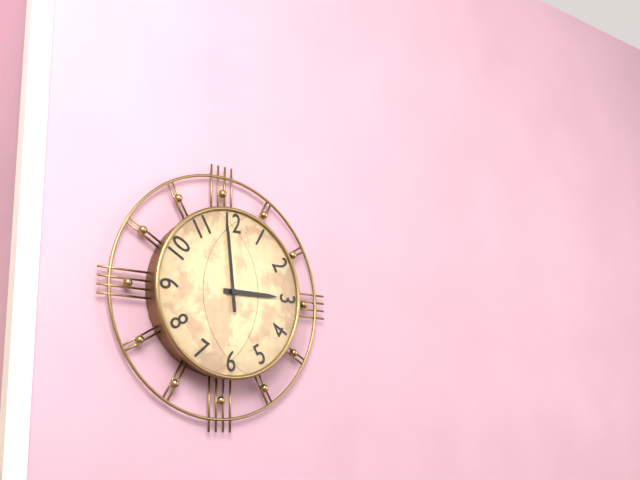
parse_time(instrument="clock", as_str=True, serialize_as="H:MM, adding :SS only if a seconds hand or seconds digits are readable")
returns 2:59
